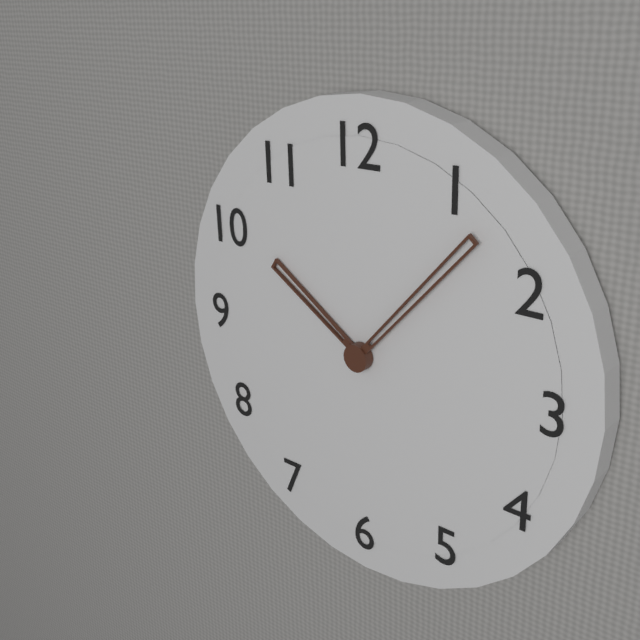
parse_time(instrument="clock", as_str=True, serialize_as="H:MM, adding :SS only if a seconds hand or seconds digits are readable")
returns 10:07
